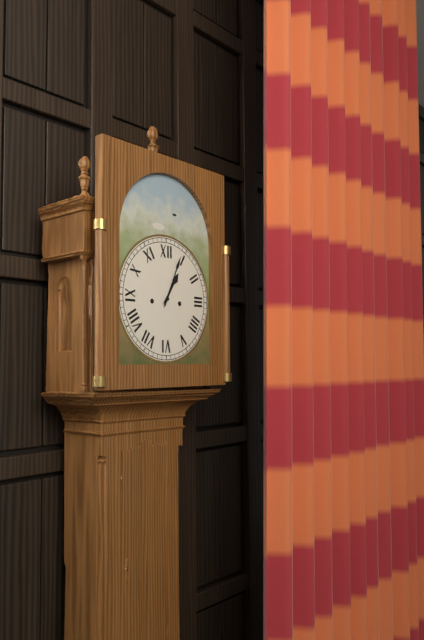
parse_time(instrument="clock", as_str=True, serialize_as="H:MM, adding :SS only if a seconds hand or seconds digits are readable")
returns 1:04
